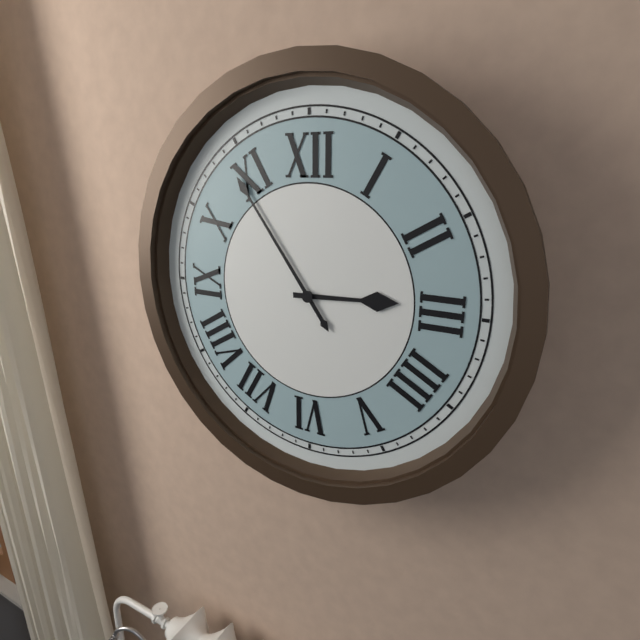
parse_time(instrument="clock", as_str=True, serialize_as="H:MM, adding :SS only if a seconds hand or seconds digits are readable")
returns 2:54
